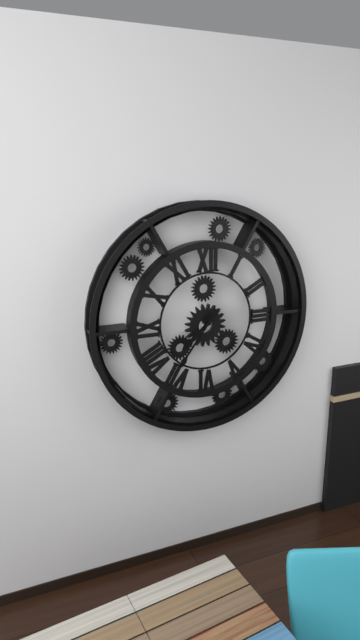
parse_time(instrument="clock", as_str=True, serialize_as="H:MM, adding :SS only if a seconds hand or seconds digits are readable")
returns 7:36
